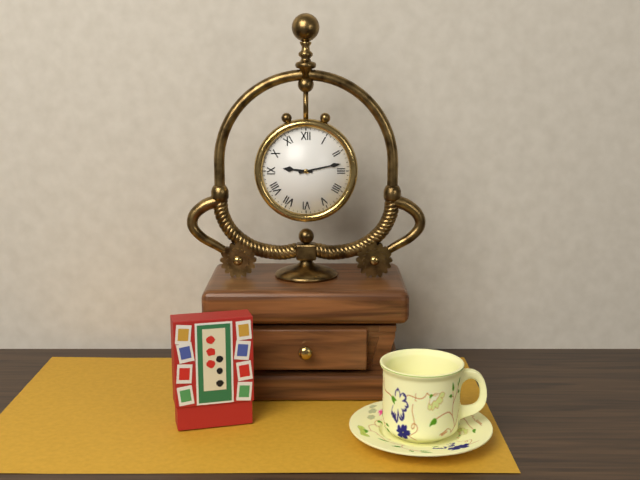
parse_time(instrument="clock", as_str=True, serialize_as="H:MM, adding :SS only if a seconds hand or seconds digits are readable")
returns 9:13
